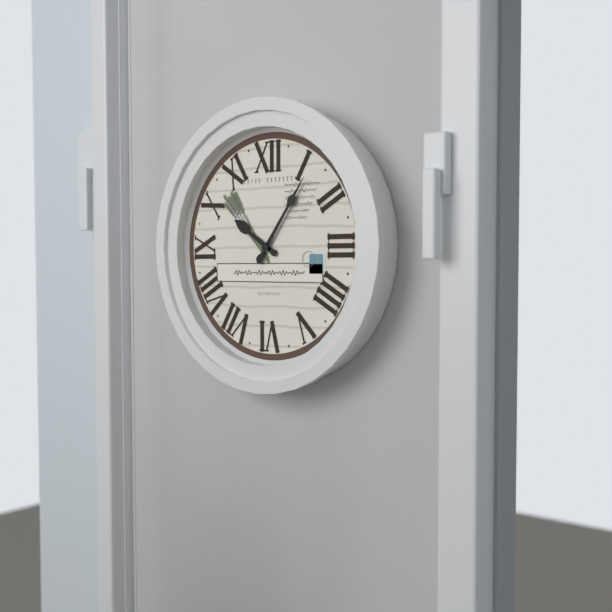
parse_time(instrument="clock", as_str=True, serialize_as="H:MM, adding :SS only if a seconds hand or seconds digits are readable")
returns 10:06
